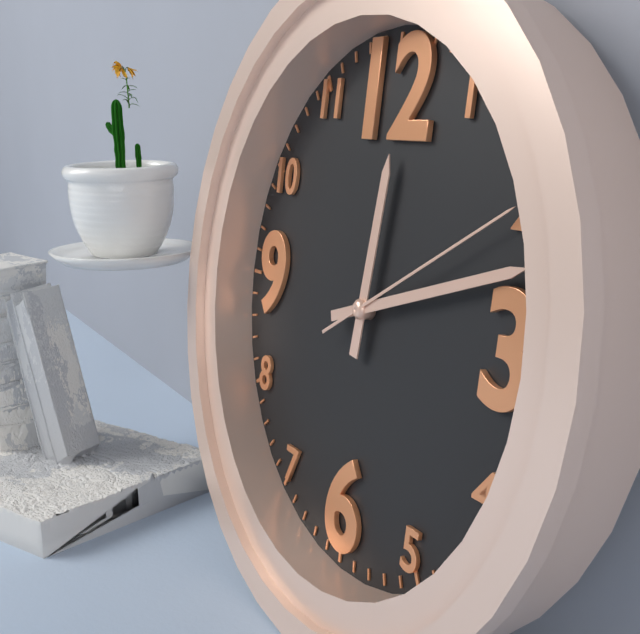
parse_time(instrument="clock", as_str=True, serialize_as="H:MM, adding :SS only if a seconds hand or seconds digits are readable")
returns 12:12:10
